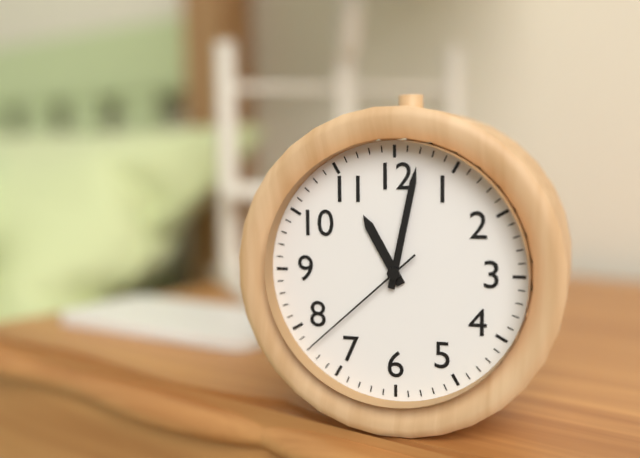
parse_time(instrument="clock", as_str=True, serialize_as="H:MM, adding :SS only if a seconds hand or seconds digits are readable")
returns 11:02:38
